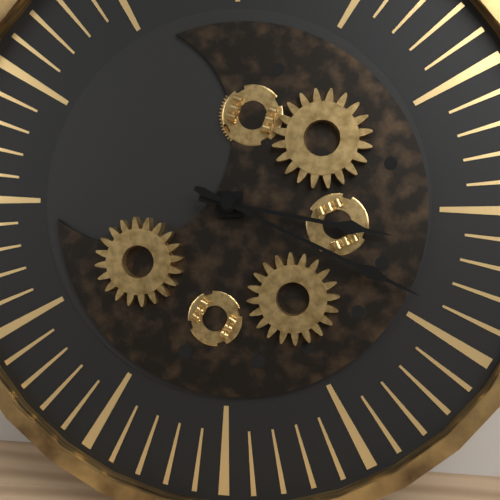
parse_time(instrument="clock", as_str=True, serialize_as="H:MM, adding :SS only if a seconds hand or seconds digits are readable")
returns 3:19
